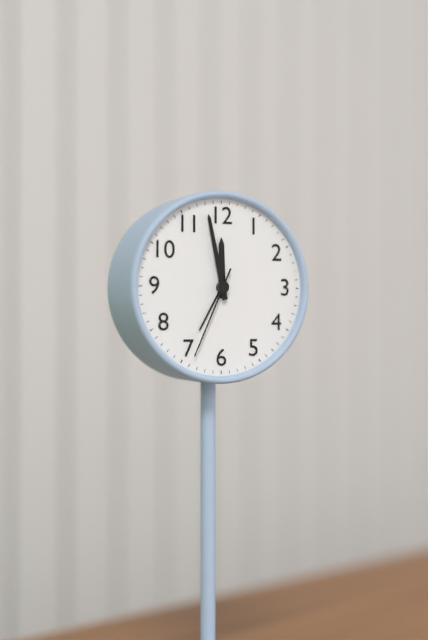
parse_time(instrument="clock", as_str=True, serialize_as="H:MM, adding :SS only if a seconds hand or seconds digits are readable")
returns 11:58:34
